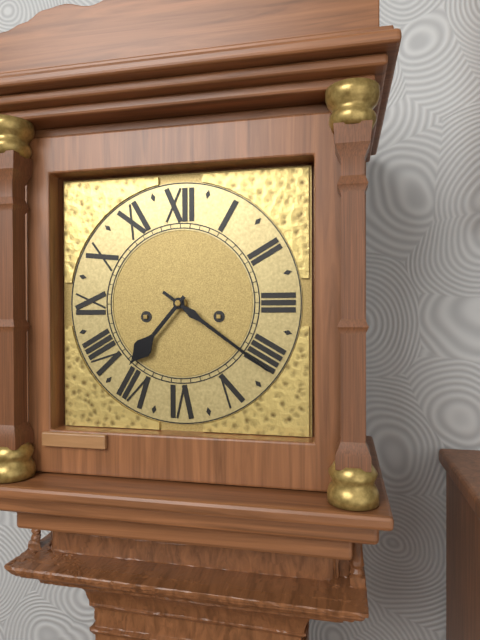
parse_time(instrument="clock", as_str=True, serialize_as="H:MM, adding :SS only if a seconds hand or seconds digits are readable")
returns 7:21
